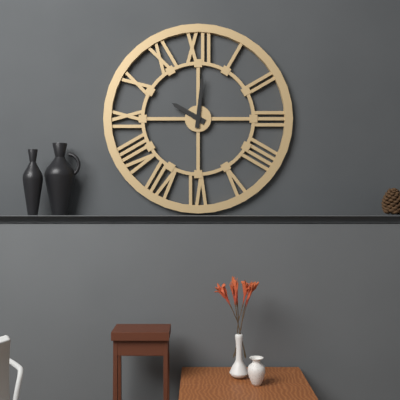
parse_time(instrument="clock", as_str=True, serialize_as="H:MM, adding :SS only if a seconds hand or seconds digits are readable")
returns 10:01
